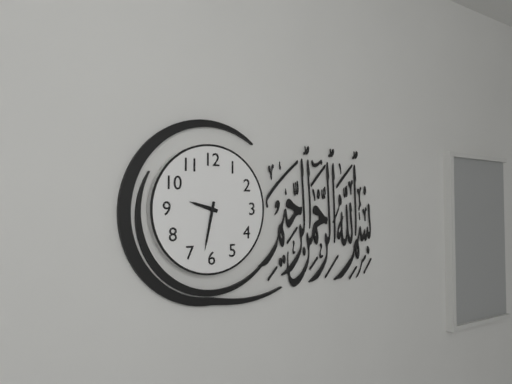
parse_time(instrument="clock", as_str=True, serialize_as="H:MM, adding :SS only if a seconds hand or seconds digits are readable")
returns 9:32
